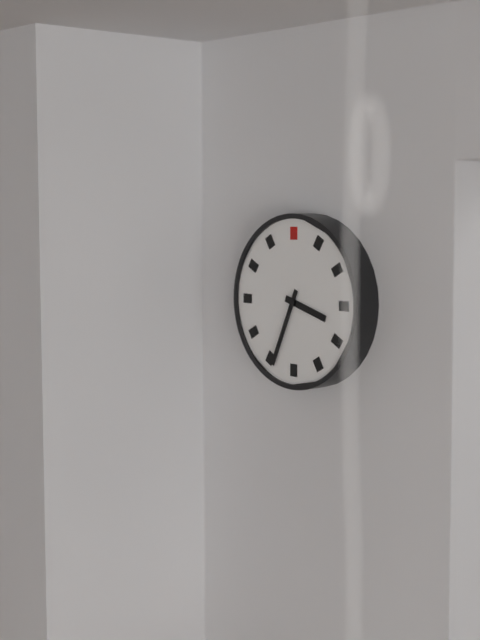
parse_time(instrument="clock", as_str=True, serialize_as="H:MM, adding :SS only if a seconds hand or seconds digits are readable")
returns 3:34
